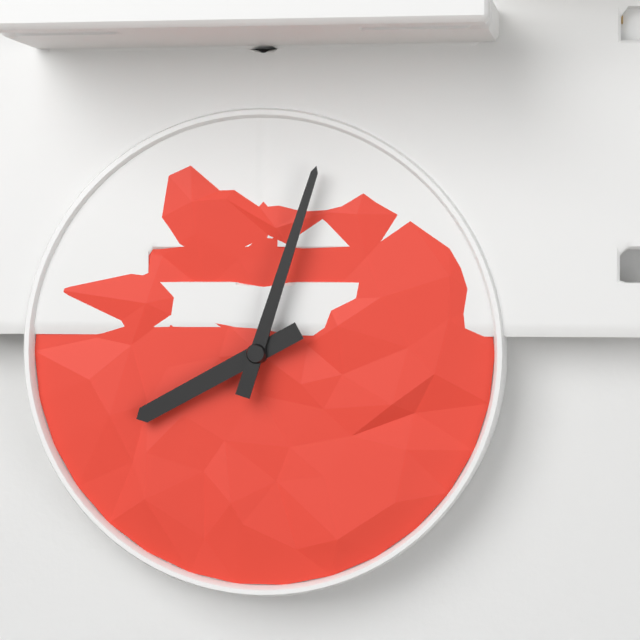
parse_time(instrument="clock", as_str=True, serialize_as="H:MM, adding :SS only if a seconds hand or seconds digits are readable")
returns 8:03
